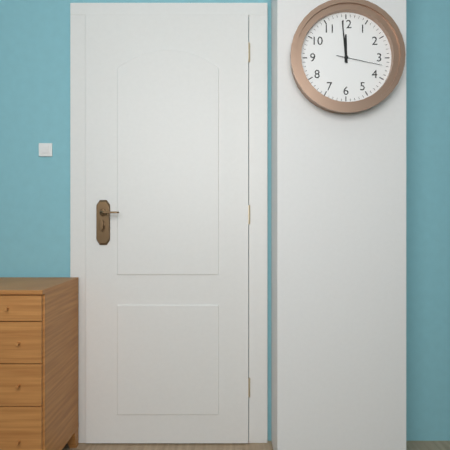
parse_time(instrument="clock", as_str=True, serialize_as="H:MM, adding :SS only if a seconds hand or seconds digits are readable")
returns 11:59
